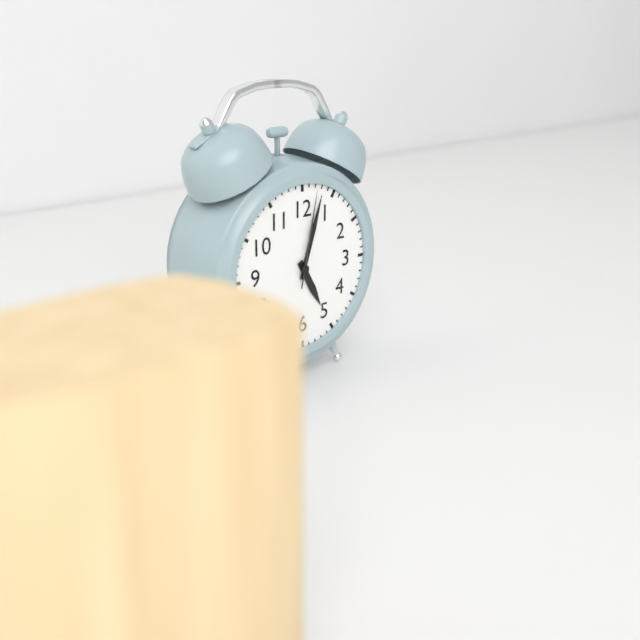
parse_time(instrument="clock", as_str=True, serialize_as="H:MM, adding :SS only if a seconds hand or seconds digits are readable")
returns 5:03:02
